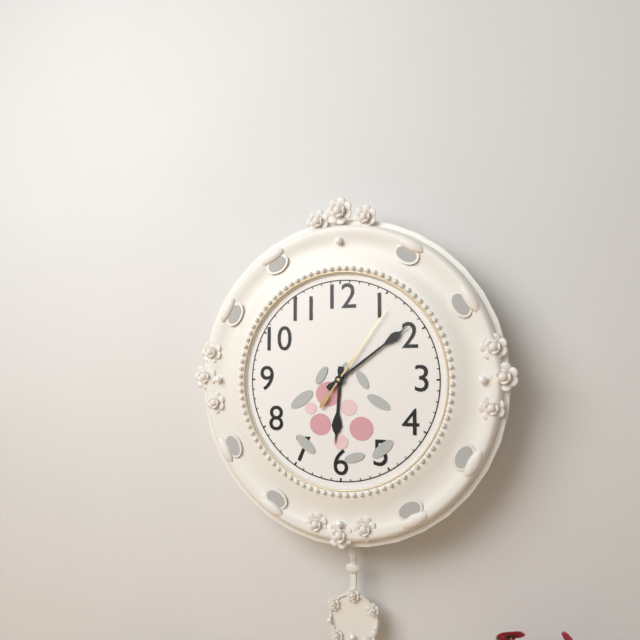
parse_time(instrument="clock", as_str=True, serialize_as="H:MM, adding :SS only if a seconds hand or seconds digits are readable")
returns 6:09:06
